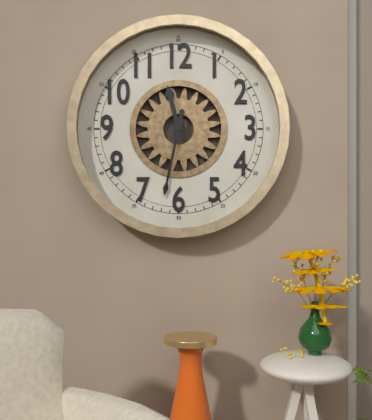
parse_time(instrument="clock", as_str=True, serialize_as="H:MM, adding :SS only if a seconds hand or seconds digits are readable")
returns 11:32
